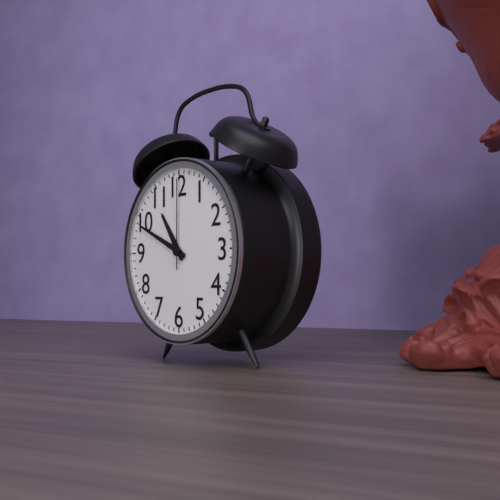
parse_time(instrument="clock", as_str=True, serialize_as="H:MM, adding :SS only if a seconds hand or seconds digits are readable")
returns 10:49:00
